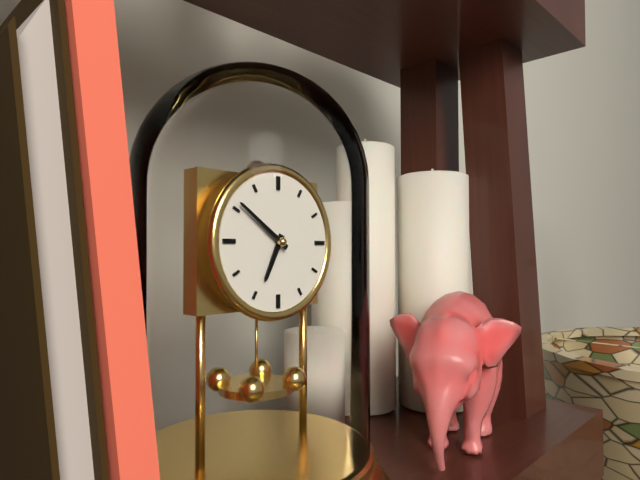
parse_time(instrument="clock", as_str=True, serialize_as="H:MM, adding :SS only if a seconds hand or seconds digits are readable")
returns 6:51
